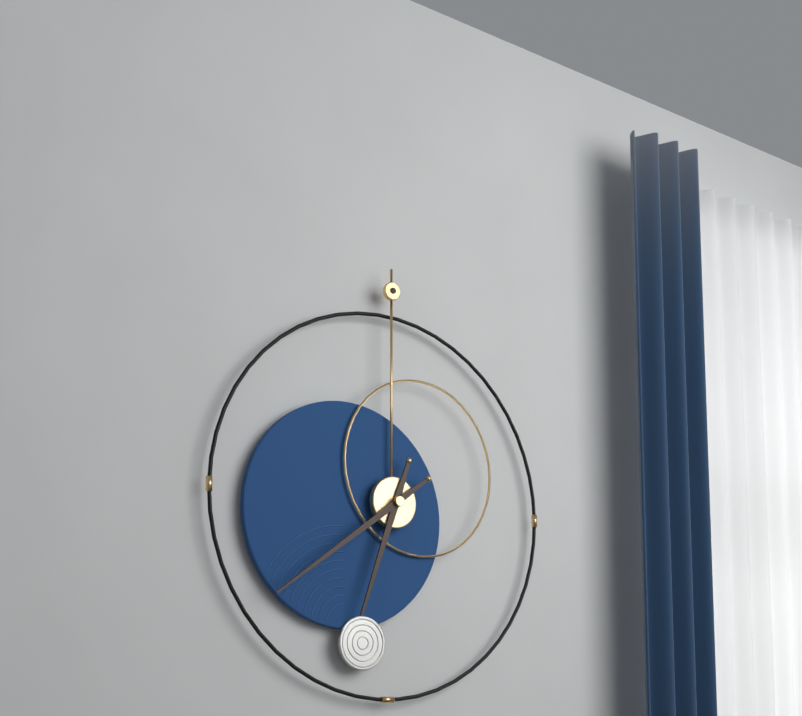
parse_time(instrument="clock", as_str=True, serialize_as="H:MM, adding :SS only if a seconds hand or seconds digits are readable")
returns 6:39
